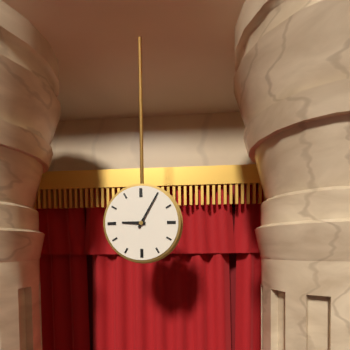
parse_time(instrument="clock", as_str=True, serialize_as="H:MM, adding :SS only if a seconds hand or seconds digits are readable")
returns 9:05
